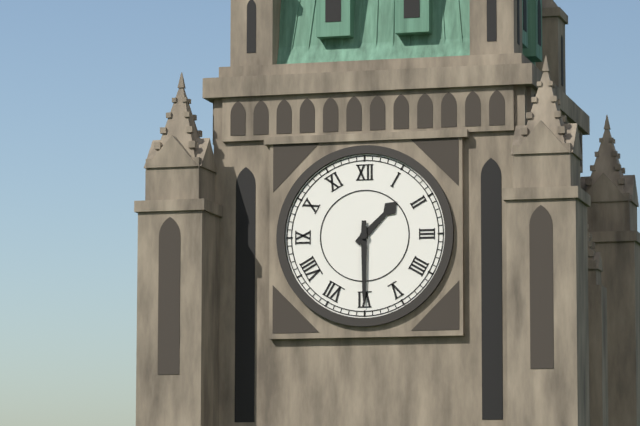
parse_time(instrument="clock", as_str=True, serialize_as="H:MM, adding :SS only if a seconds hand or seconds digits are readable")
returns 1:30
